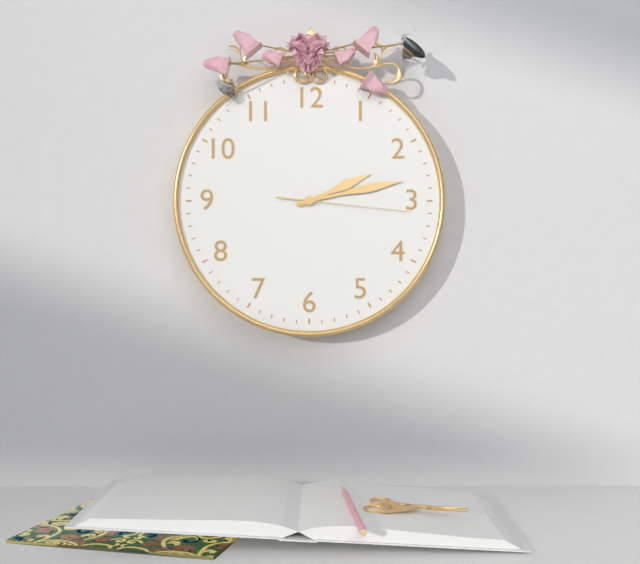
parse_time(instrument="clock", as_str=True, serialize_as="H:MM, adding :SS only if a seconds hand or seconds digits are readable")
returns 2:13:16
